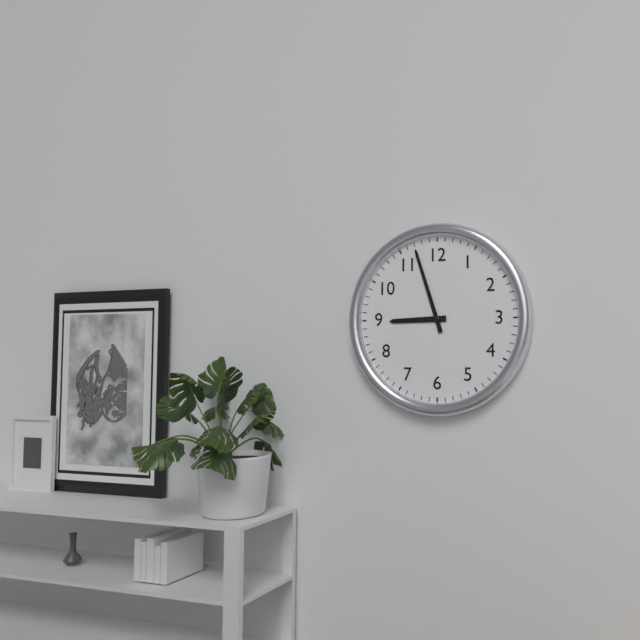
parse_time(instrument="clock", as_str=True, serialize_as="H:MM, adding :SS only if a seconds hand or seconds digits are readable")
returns 8:57
